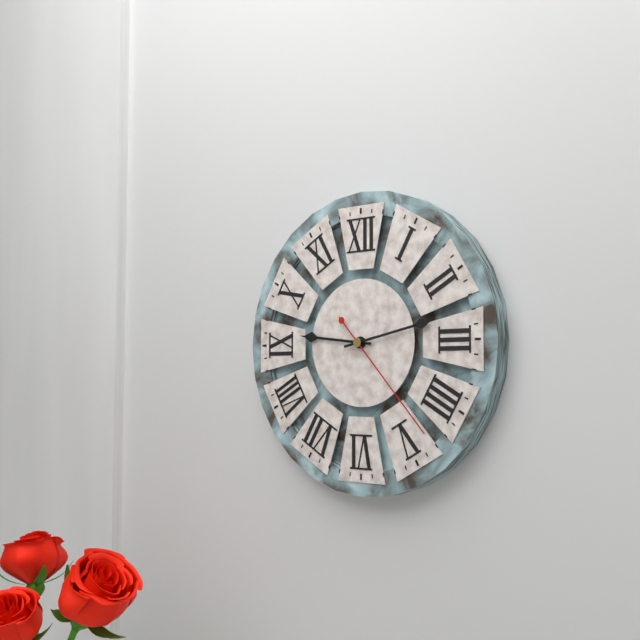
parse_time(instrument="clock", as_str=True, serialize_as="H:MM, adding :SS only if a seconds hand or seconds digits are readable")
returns 9:13:23
